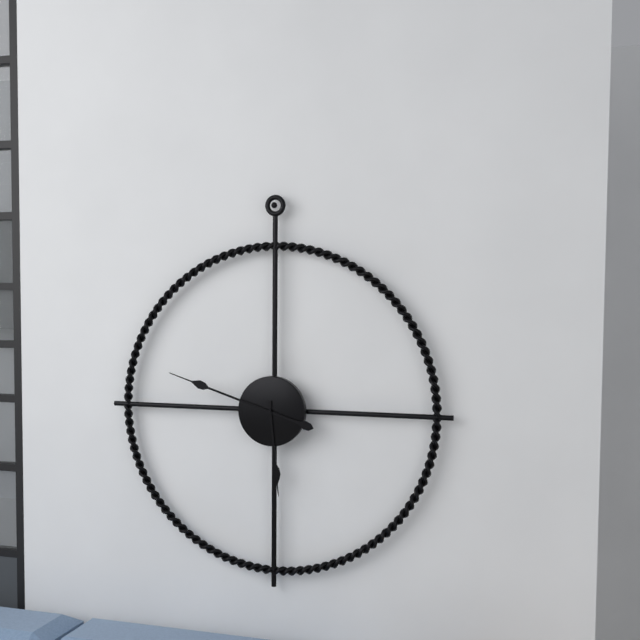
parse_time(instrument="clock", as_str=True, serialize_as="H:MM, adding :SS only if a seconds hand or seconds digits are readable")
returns 5:48
